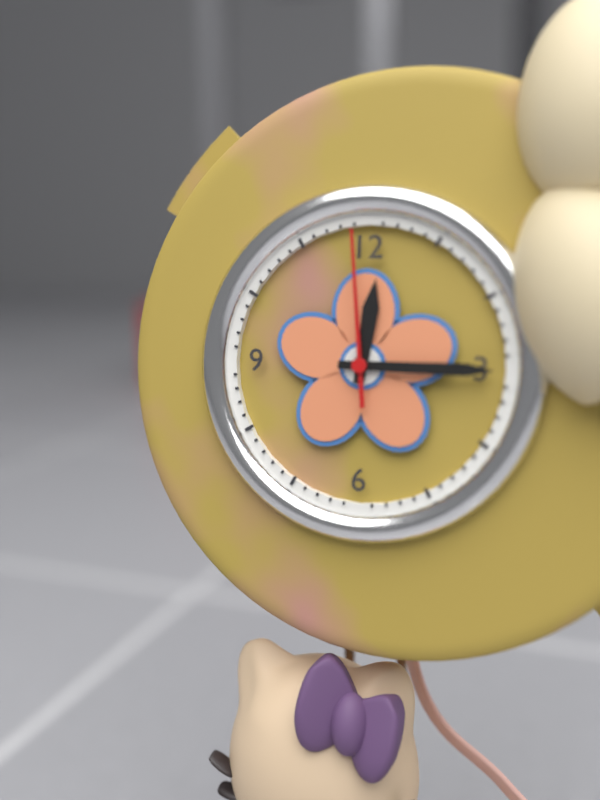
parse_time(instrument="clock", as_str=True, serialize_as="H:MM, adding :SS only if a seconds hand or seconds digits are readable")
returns 12:15:59
